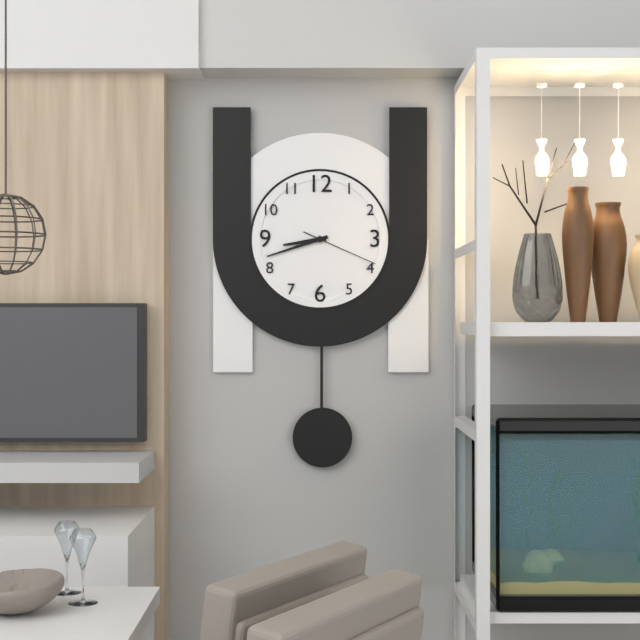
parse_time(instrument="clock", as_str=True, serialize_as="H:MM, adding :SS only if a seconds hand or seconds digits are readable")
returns 8:42:19
